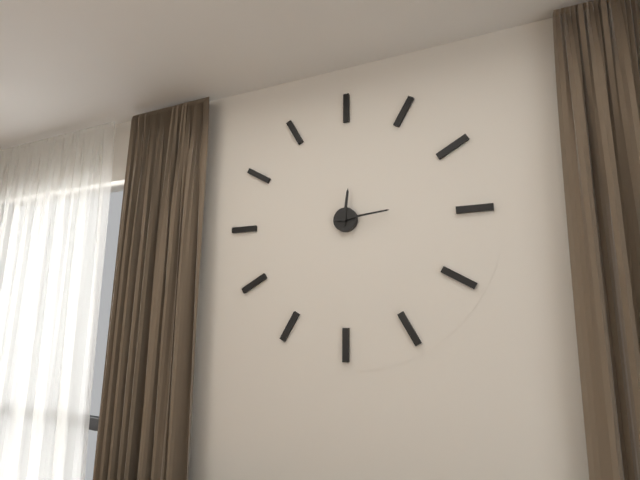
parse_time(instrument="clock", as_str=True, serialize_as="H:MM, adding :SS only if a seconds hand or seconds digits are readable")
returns 12:14
